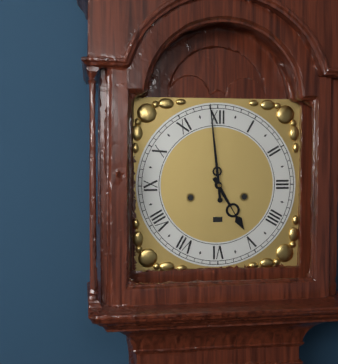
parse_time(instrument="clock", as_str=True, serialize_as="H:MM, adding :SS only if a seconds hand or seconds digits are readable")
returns 4:59
